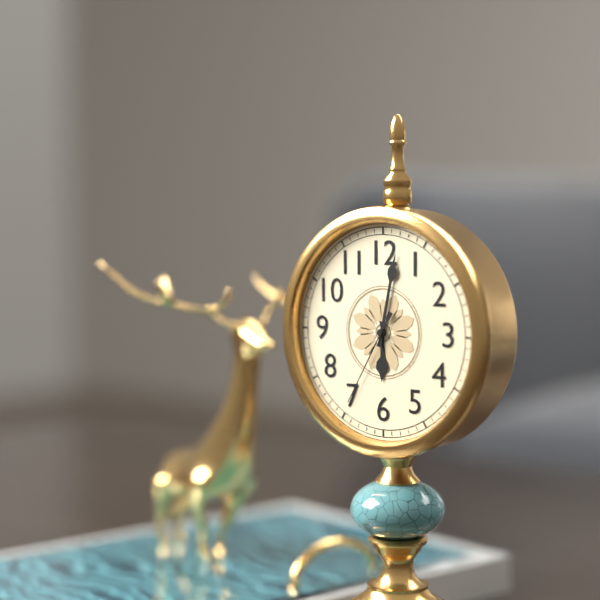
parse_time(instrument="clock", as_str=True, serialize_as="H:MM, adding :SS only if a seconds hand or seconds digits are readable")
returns 6:02:35
